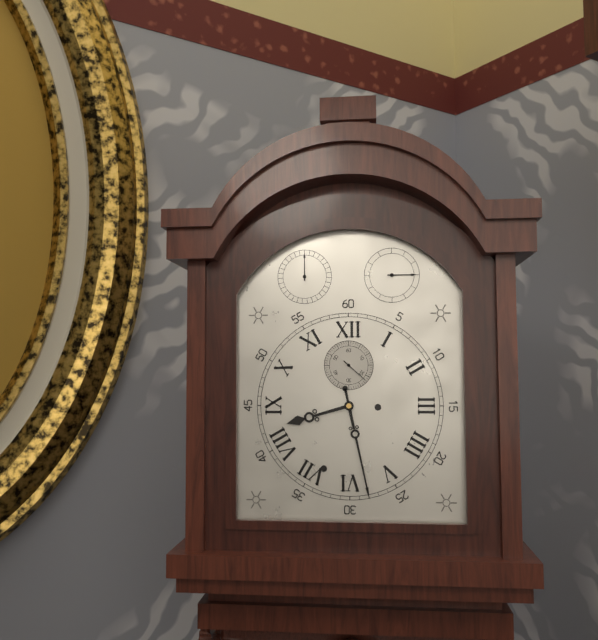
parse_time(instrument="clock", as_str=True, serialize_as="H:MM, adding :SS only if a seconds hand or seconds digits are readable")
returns 8:28
